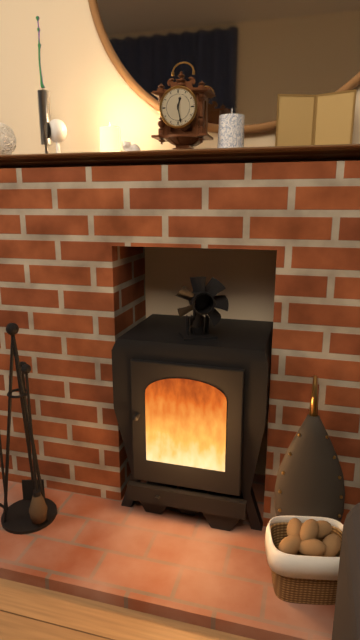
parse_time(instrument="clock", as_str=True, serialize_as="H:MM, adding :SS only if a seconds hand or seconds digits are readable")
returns 12:28
